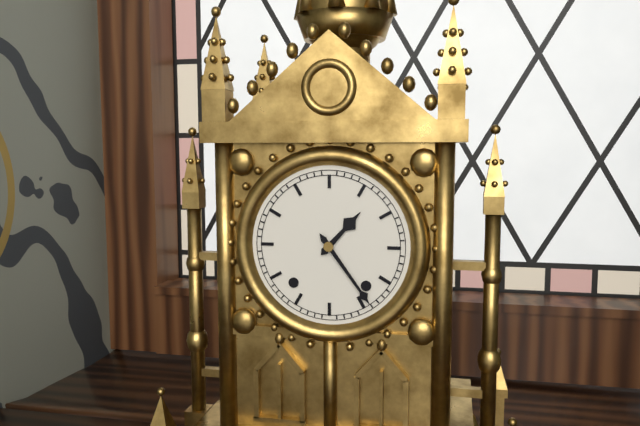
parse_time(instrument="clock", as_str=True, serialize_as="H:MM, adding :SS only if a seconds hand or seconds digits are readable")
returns 1:24
